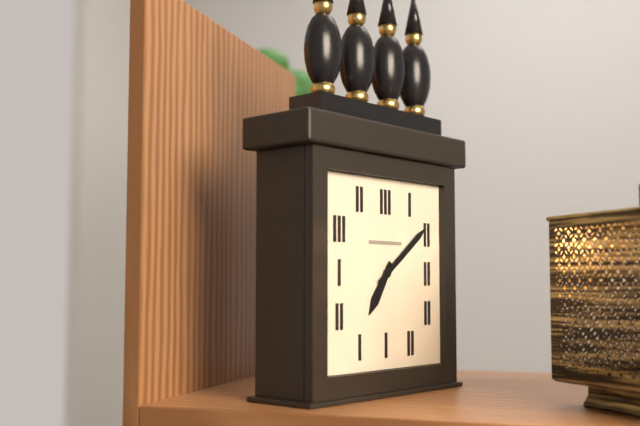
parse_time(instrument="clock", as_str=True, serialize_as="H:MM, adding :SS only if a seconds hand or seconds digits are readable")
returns 7:09
